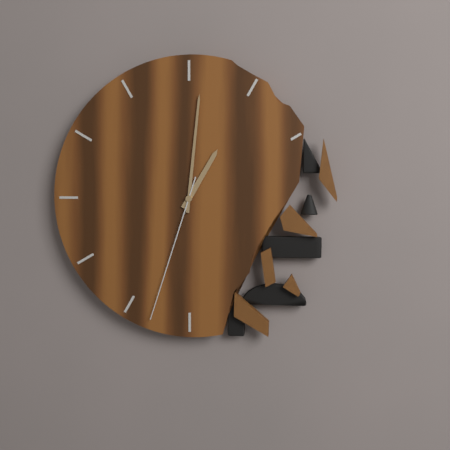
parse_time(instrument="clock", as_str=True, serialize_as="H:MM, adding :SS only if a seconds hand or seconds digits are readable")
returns 1:01:33
